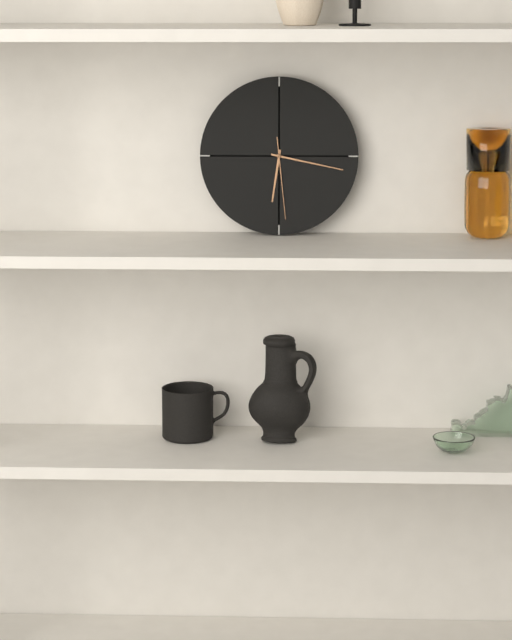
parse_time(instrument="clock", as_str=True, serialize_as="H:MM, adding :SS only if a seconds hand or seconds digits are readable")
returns 6:17:29
